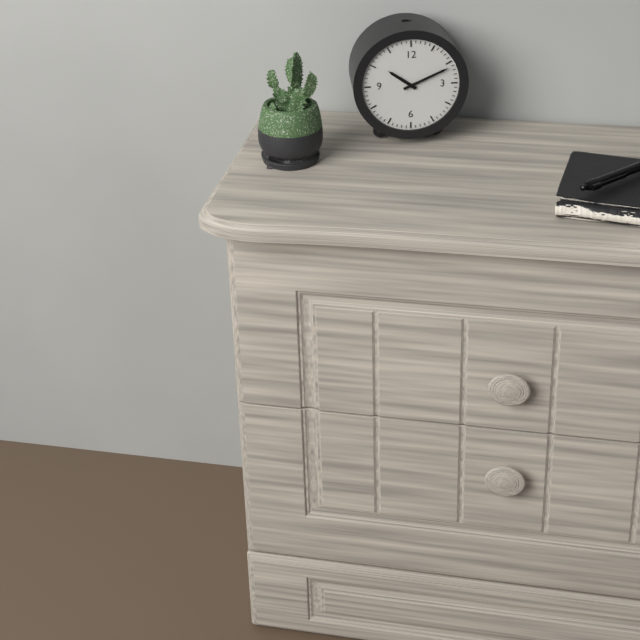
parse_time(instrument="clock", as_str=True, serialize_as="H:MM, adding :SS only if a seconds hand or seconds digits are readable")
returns 10:11
